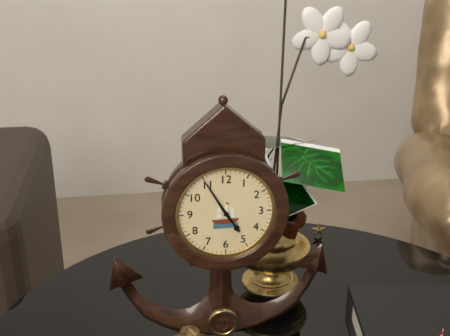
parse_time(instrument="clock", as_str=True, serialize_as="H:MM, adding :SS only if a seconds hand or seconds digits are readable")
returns 4:55
